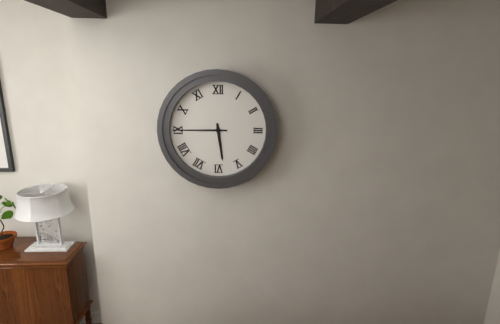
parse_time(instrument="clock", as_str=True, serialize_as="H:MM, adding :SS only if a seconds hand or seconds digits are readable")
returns 5:45
